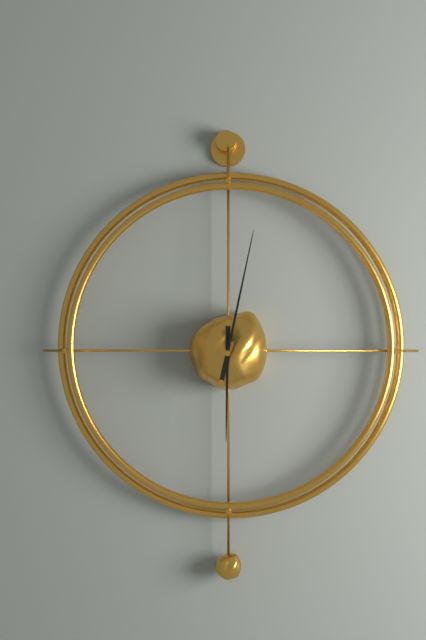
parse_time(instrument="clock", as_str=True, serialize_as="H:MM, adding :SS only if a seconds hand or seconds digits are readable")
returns 6:02
